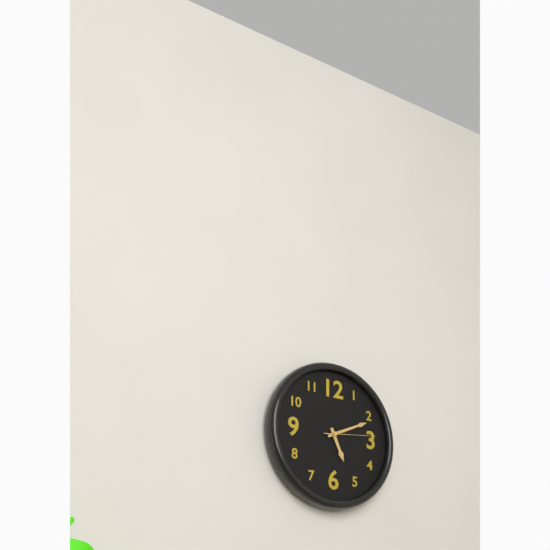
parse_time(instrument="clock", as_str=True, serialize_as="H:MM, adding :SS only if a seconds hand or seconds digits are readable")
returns 5:11:14
